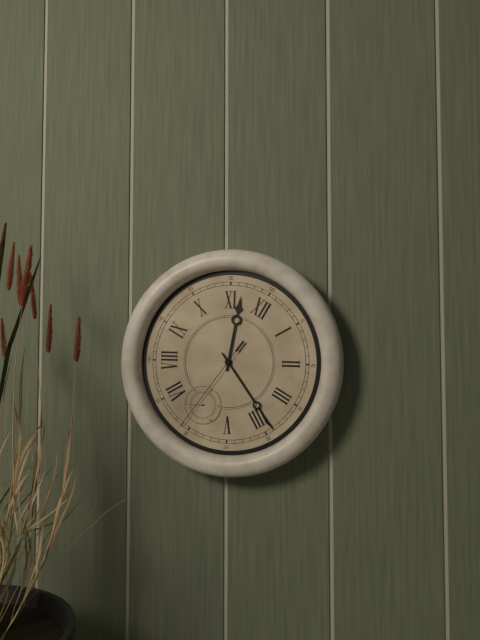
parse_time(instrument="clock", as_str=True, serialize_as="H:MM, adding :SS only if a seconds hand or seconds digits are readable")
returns 11:19:31
